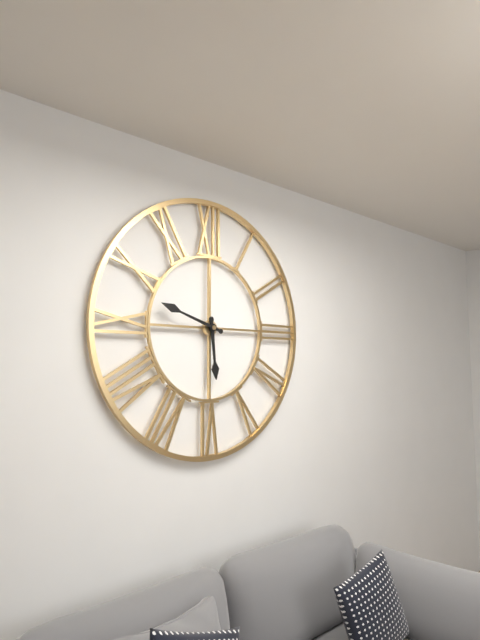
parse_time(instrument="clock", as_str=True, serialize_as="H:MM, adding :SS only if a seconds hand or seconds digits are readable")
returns 5:48
